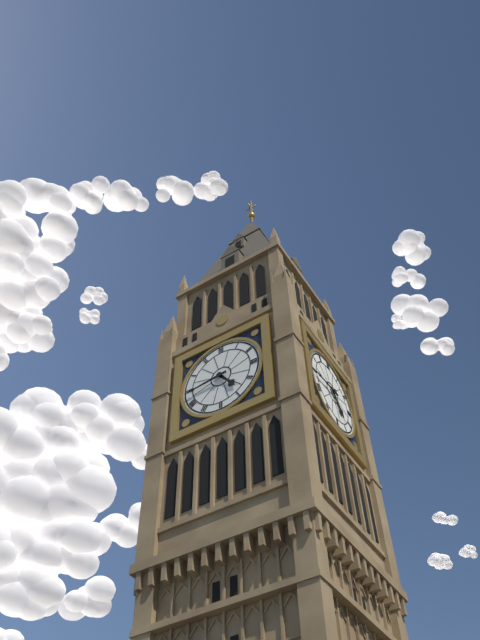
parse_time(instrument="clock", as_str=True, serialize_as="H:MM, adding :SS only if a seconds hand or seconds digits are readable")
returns 4:44
